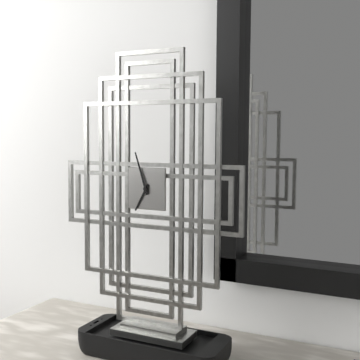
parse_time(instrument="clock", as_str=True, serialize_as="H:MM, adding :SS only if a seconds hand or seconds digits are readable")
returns 6:57
